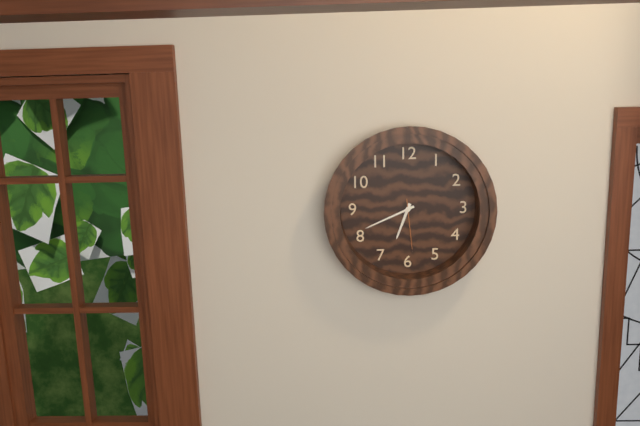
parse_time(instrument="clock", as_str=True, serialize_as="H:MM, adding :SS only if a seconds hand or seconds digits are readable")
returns 6:41:29
